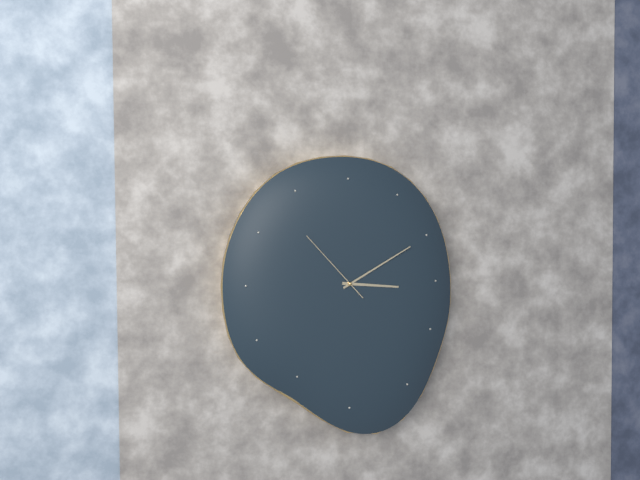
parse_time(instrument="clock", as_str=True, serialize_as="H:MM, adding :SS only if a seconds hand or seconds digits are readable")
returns 3:10:53
